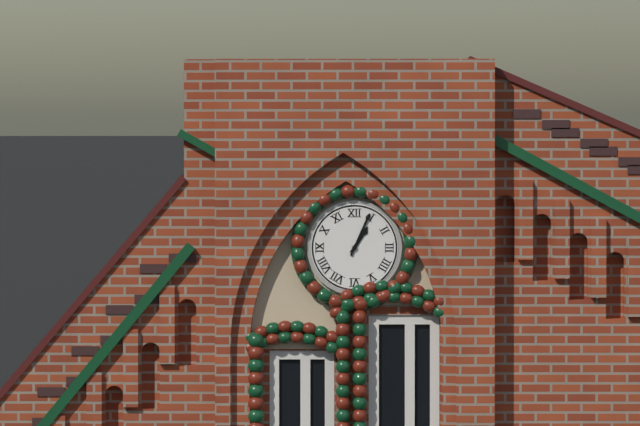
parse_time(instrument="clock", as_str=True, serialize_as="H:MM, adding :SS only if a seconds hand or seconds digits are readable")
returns 1:04
